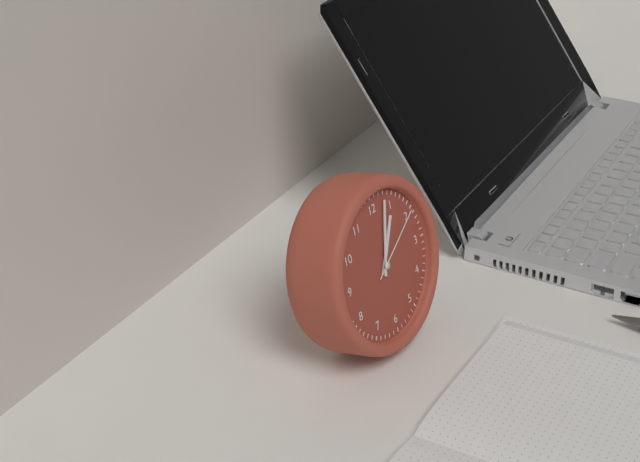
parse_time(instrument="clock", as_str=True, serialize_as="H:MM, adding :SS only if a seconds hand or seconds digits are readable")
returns 1:03:10
